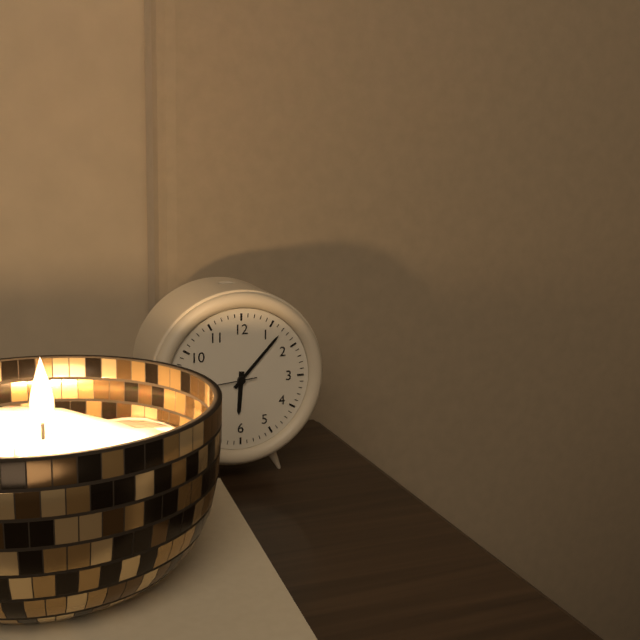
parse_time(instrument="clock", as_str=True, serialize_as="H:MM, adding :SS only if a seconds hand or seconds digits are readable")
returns 6:07
